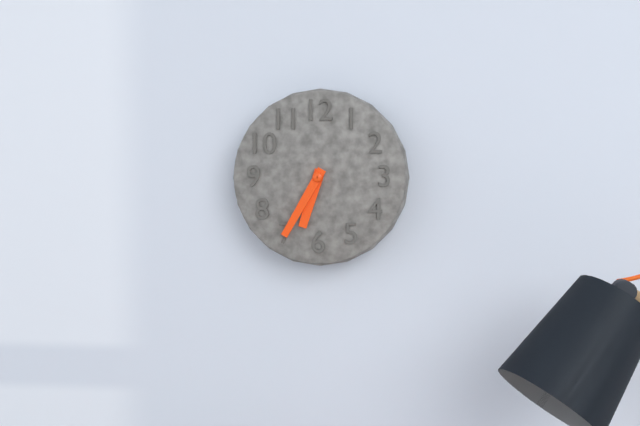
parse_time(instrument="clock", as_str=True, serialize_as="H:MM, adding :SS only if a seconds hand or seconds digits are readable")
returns 6:35
